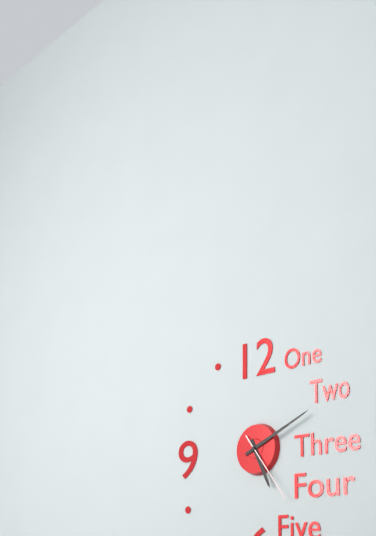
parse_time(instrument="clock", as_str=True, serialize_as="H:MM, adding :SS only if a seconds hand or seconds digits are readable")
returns 5:11:24
